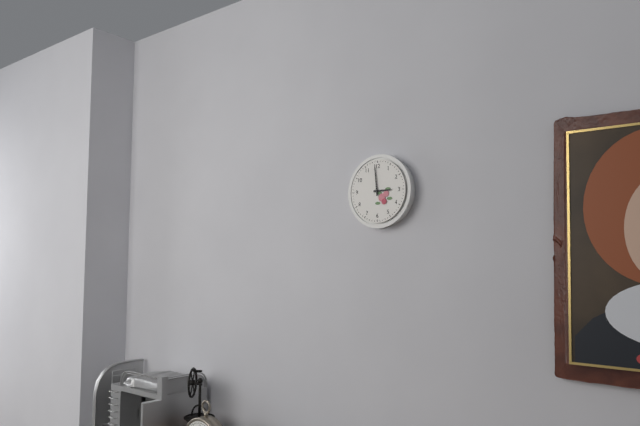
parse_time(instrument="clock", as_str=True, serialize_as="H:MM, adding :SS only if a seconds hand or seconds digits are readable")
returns 2:59
